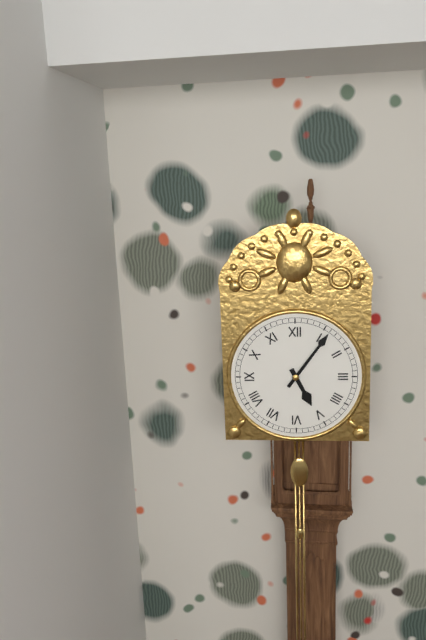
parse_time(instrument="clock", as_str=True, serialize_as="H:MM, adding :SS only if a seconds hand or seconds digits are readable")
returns 5:06
